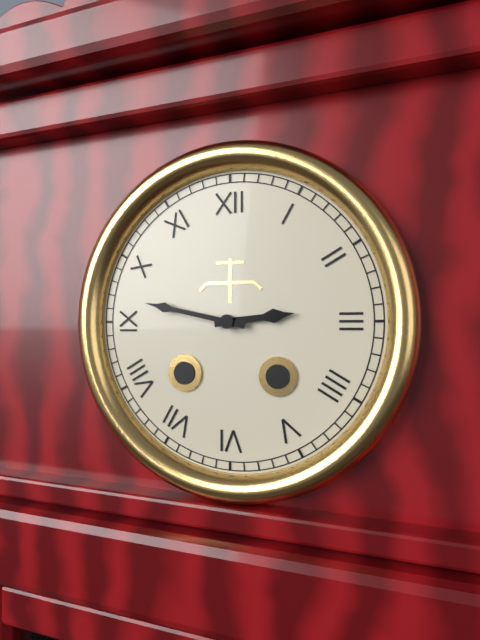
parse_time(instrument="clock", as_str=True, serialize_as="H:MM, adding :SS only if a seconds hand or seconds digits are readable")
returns 2:47
